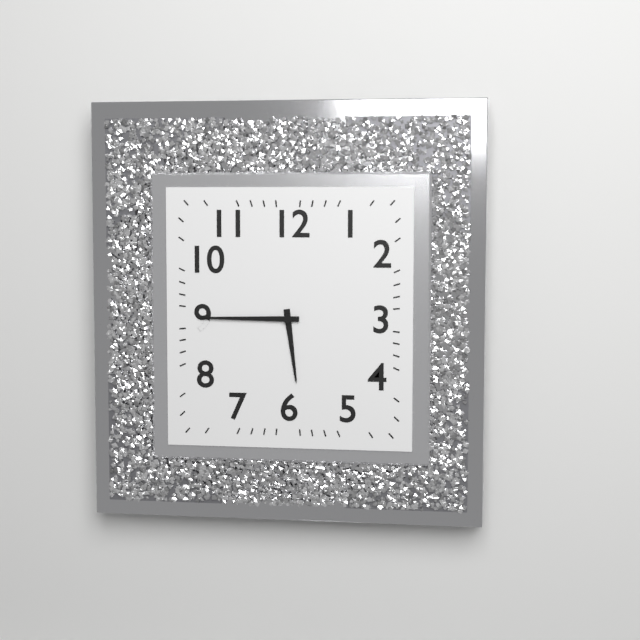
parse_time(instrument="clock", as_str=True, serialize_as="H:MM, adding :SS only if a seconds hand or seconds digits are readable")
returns 5:45
